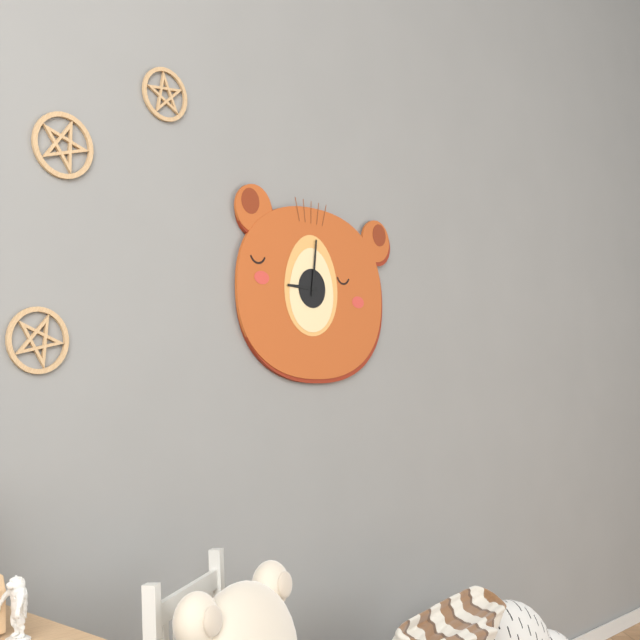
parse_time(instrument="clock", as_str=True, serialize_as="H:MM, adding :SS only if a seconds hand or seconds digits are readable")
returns 9:01
